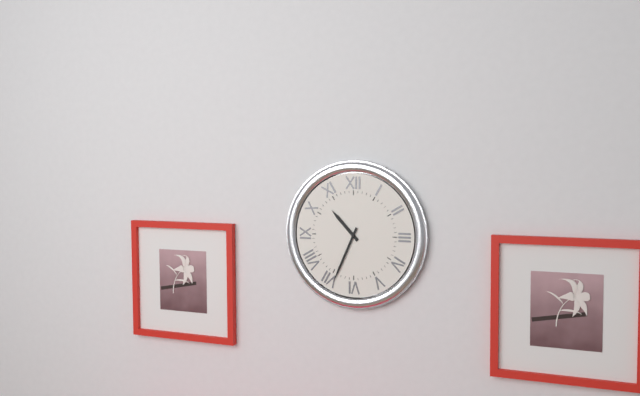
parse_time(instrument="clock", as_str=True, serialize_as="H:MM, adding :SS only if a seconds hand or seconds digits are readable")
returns 10:34
